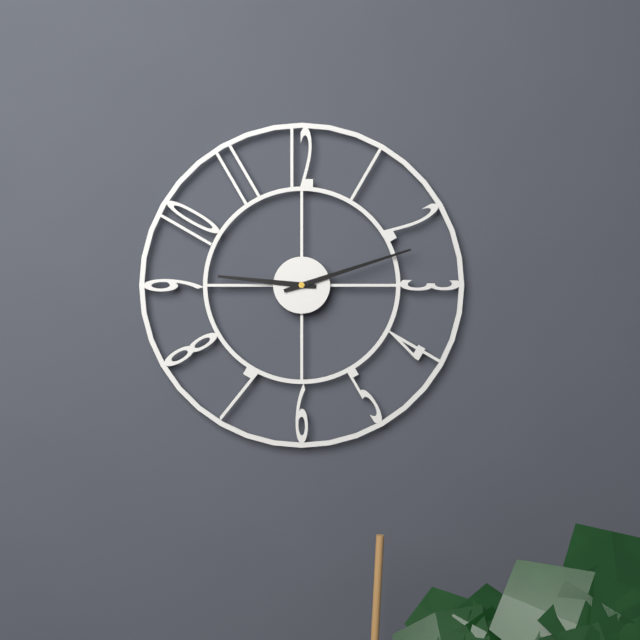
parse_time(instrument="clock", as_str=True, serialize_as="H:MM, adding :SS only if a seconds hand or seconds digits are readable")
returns 9:12
